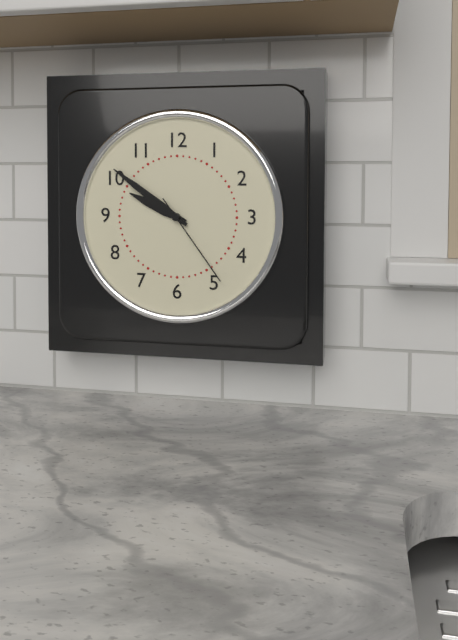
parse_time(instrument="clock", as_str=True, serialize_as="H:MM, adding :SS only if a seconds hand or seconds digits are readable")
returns 9:51:24
